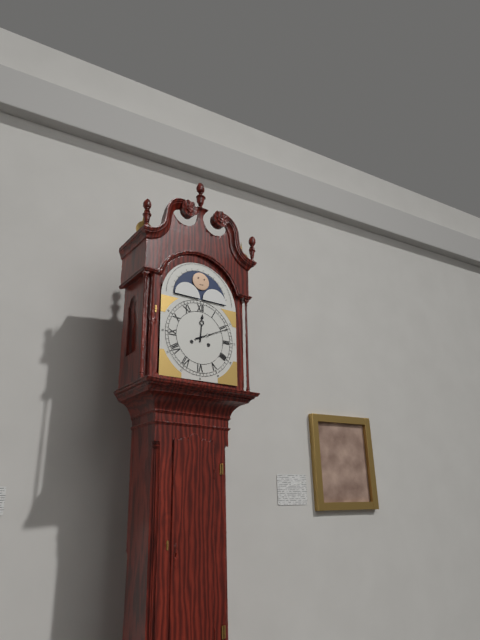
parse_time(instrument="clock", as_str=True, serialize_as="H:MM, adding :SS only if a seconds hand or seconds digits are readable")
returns 12:11
